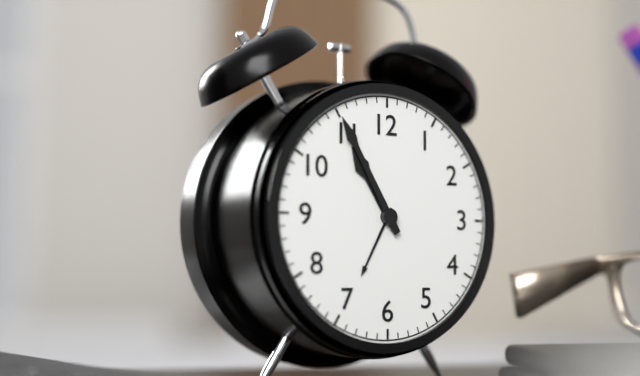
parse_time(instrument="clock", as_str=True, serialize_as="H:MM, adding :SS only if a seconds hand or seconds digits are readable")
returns 10:55
